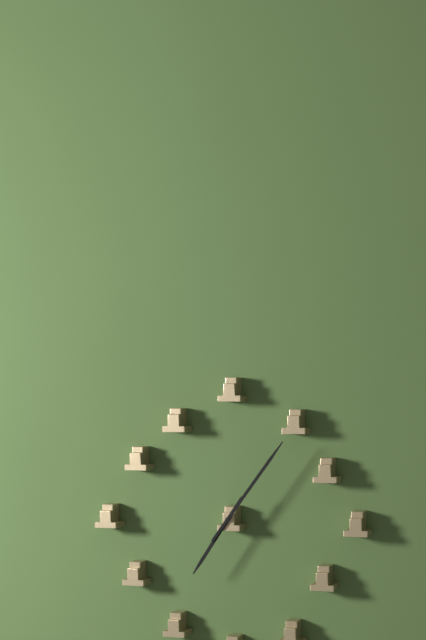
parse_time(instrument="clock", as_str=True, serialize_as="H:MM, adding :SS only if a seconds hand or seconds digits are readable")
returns 7:06
